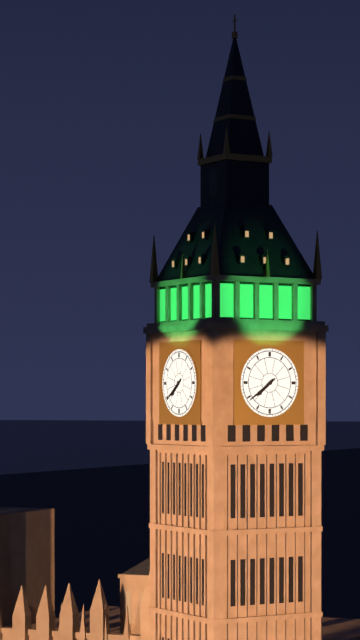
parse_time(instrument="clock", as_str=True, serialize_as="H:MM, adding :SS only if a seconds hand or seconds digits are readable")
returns 7:39
